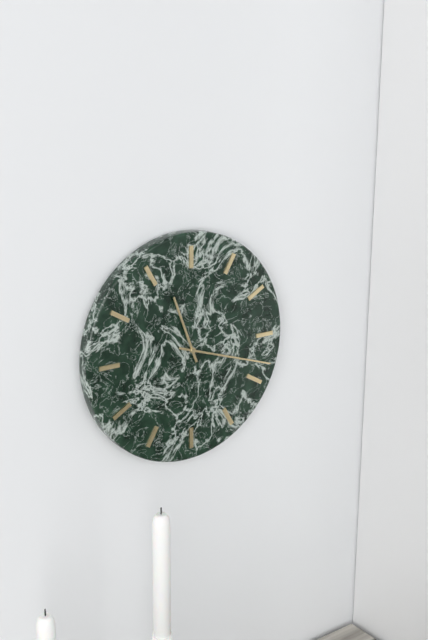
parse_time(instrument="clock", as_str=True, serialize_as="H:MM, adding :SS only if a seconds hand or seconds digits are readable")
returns 11:18
